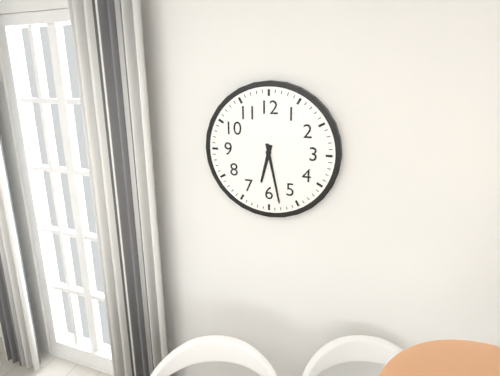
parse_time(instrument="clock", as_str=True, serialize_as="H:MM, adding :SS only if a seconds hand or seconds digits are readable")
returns 6:28
